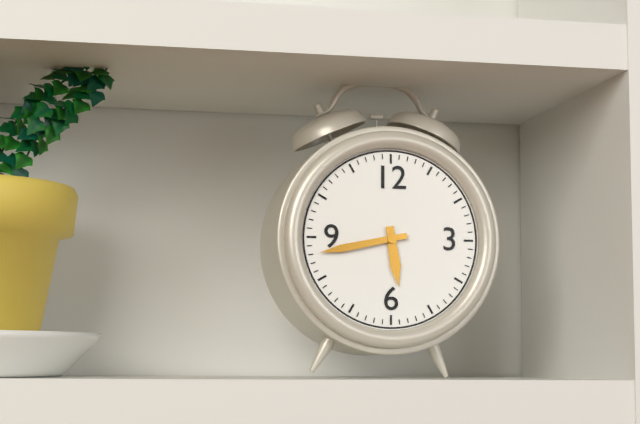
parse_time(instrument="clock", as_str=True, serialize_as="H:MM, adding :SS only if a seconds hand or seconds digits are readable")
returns 5:43
